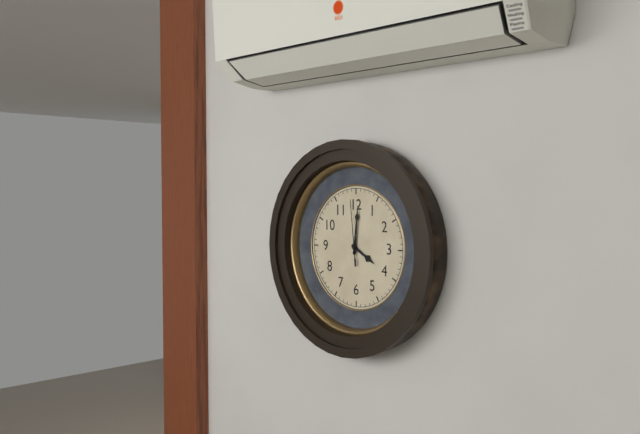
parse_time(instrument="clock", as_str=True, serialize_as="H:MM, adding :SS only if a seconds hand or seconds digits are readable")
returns 4:01:59
